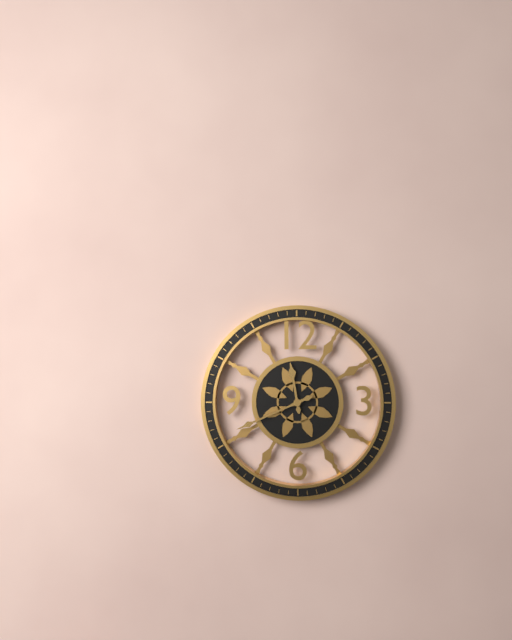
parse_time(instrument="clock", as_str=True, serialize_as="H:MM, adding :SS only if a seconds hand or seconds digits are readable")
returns 11:41
